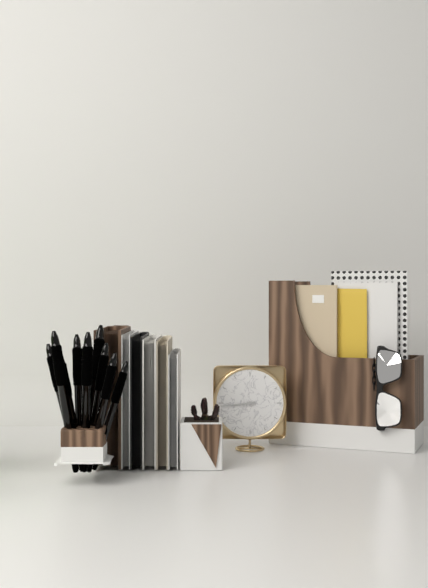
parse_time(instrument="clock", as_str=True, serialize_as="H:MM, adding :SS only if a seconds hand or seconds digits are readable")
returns 8:44
